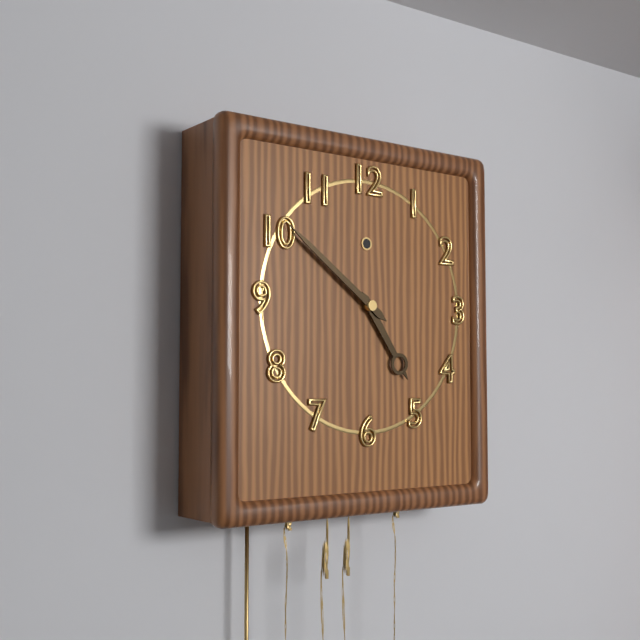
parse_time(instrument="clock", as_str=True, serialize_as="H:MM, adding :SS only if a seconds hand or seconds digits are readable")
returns 4:51
